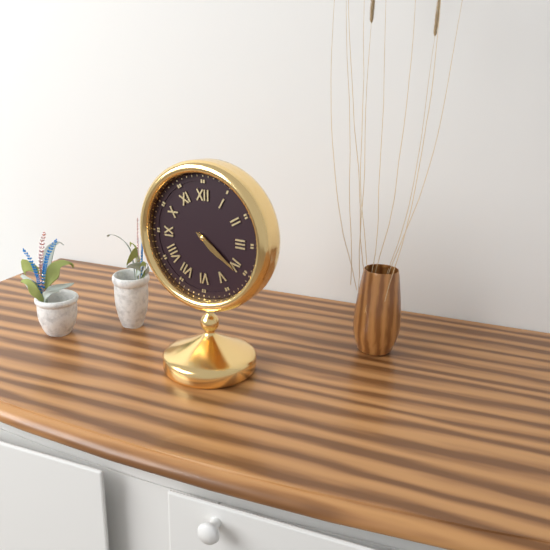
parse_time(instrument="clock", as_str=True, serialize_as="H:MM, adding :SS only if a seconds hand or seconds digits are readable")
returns 4:21
